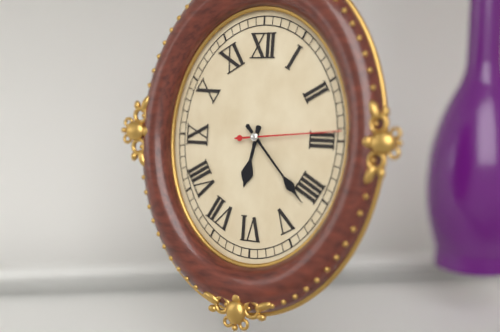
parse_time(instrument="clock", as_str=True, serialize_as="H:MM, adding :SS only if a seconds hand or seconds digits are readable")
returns 6:23:14
